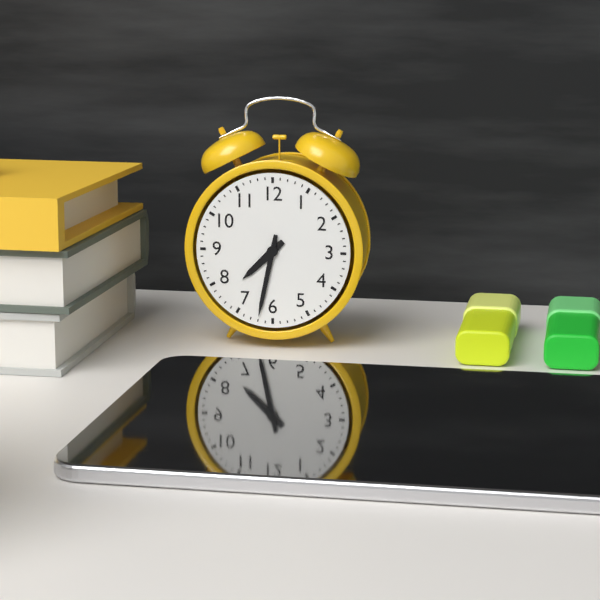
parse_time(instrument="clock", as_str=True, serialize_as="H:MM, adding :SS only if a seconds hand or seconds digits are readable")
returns 7:32
